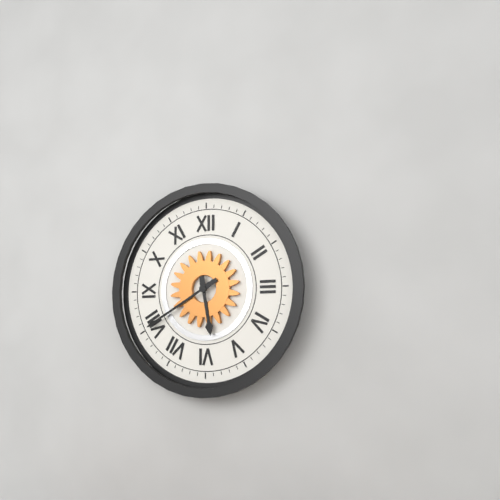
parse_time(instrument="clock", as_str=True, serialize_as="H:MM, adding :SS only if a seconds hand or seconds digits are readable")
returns 5:40
